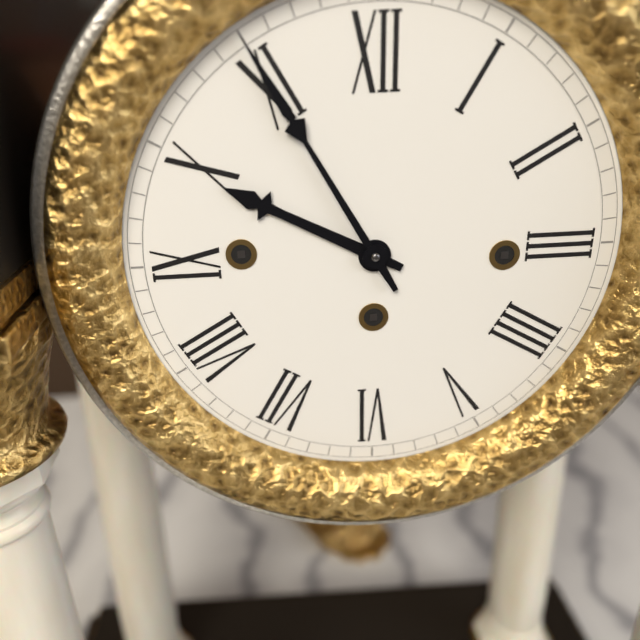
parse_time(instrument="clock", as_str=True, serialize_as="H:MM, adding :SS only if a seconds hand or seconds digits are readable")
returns 9:55
